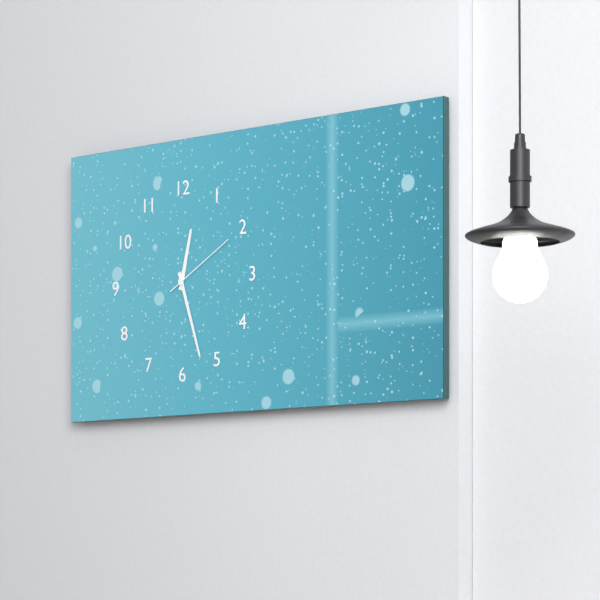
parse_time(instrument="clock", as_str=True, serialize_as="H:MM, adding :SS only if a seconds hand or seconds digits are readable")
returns 12:27:10
